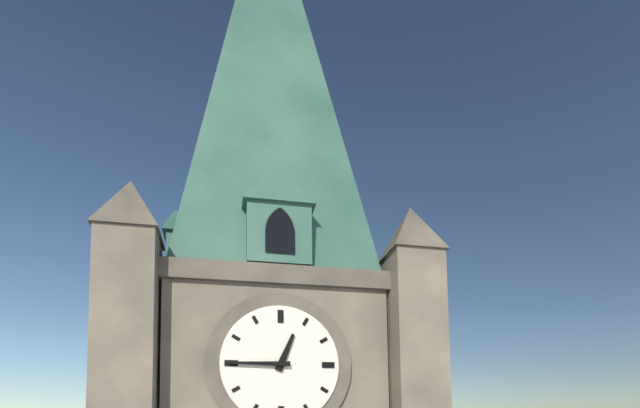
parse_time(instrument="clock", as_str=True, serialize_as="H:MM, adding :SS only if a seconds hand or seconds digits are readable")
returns 12:45
